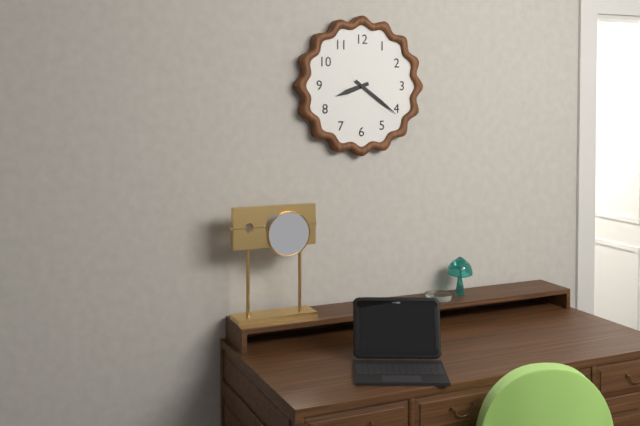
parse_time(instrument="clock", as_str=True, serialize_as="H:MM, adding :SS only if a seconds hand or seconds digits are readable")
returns 8:21
